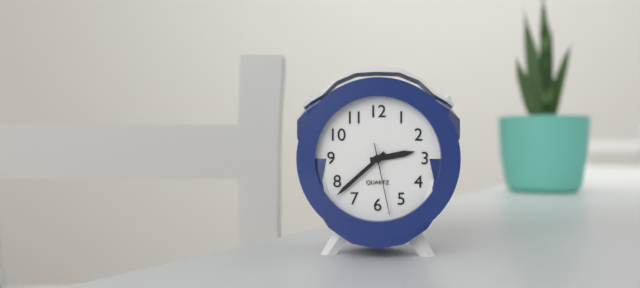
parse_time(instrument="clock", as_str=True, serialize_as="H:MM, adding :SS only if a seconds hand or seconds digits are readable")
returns 2:38:28
